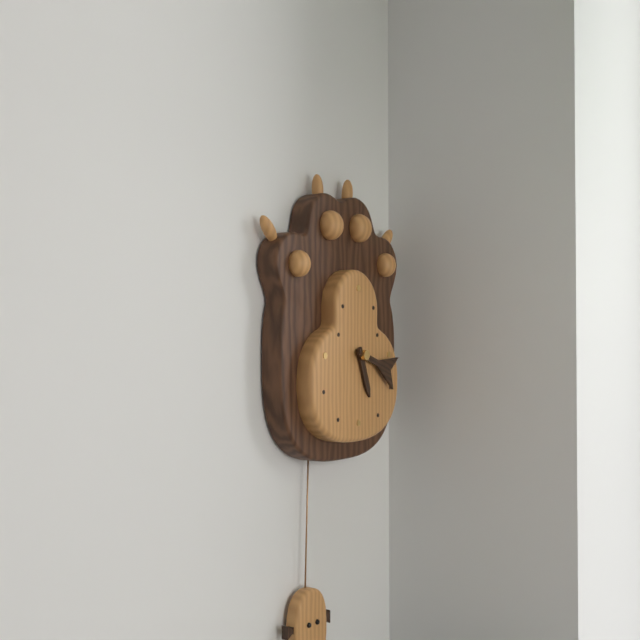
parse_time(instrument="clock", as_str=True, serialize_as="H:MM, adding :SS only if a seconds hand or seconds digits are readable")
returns 5:18
